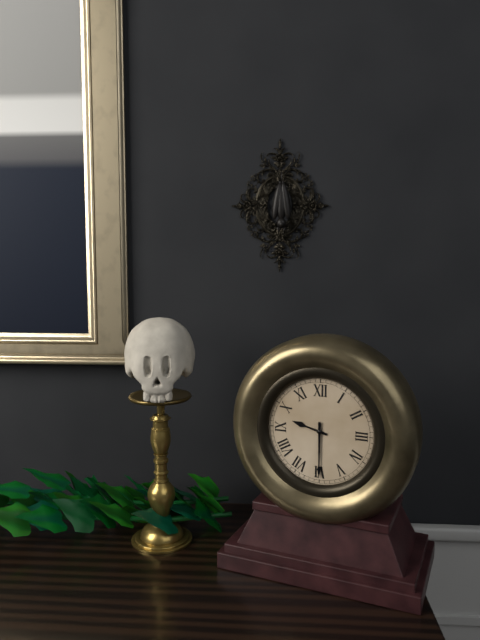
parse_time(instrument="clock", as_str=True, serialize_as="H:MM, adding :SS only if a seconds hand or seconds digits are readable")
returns 9:30
